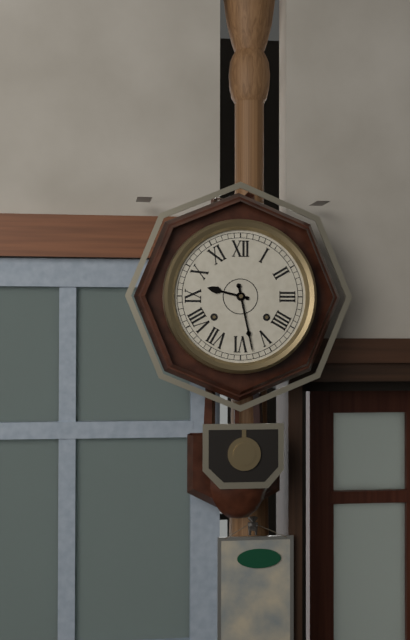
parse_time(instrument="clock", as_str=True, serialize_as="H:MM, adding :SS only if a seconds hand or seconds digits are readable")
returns 9:28
